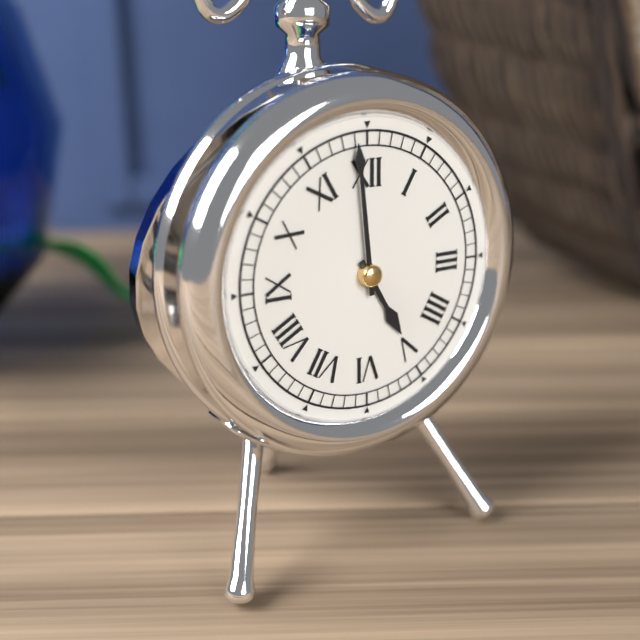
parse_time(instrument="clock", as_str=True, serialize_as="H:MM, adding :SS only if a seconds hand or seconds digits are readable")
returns 4:59
